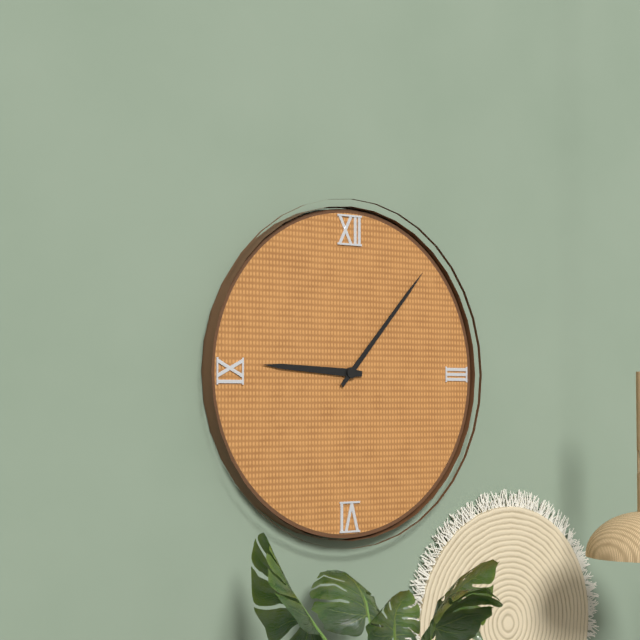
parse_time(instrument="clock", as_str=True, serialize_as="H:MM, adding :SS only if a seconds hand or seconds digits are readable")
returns 9:07
